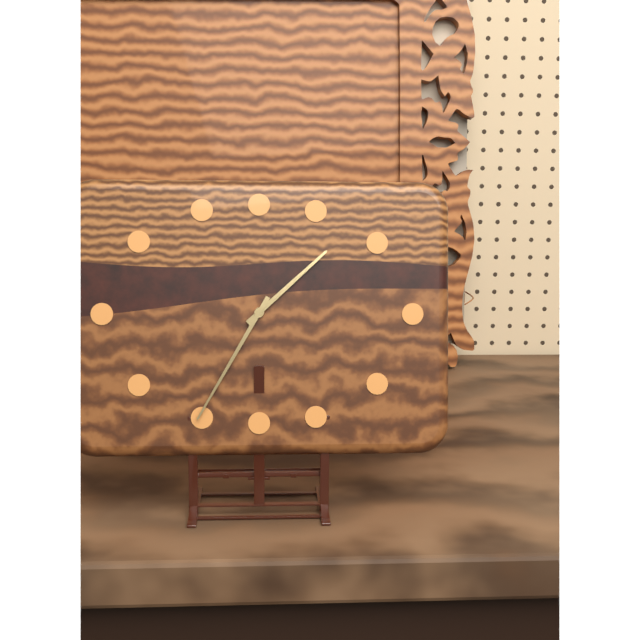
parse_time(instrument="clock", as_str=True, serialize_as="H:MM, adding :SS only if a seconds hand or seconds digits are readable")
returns 1:35
